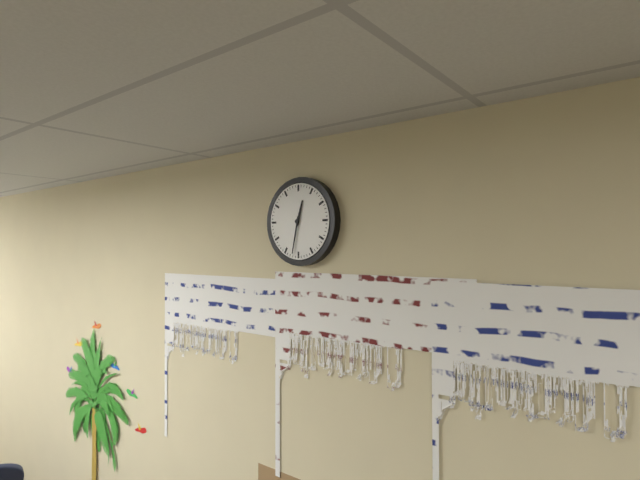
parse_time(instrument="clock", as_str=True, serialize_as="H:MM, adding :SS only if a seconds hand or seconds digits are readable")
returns 12:32
